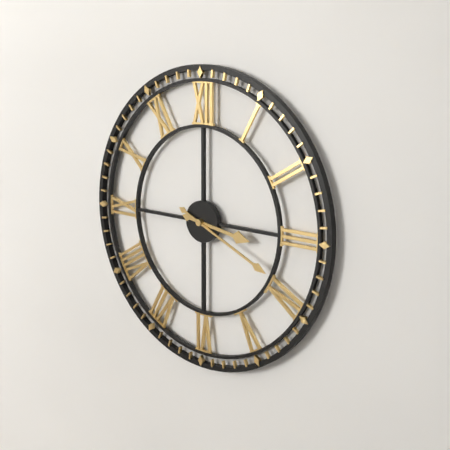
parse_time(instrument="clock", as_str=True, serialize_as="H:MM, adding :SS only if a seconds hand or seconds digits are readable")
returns 3:19
